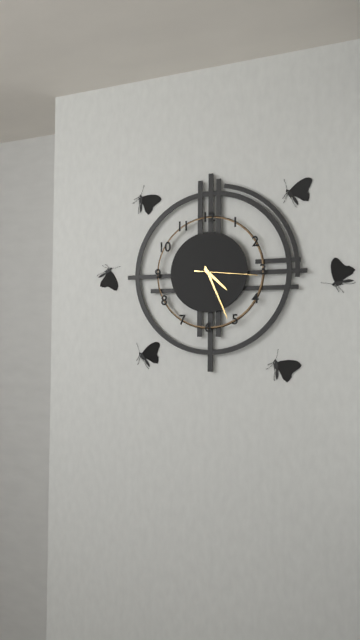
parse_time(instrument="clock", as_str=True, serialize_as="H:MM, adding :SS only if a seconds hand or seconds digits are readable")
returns 4:26:16
